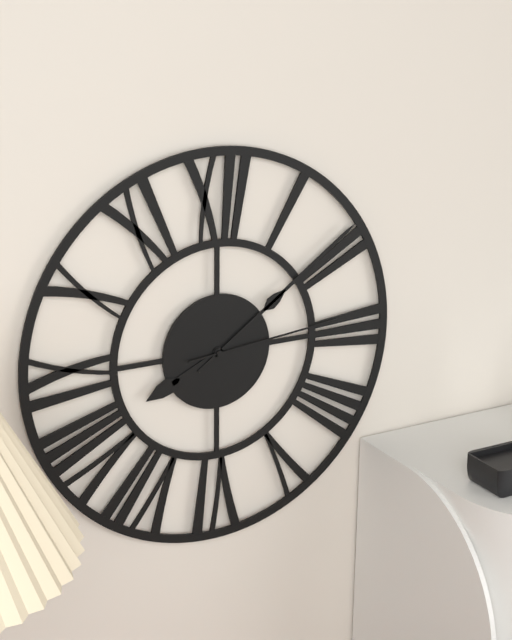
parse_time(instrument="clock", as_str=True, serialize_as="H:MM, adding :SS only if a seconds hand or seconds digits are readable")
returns 8:09:14
